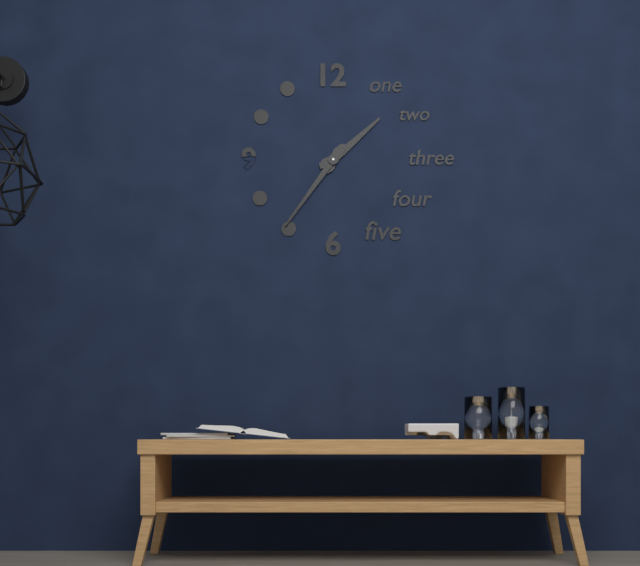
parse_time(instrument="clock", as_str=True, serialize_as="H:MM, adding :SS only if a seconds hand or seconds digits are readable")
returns 1:36
